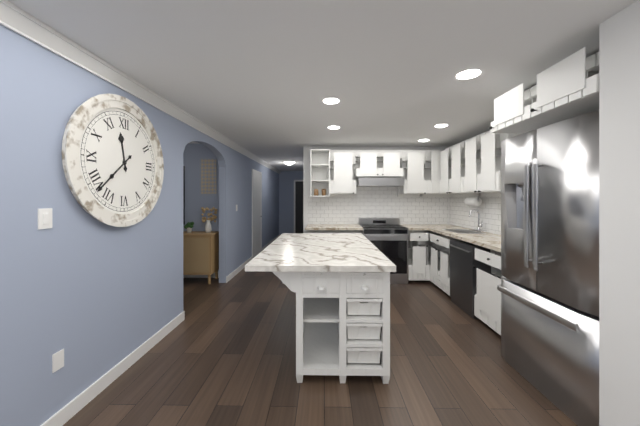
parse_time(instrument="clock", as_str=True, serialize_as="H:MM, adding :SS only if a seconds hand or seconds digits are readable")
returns 11:38
